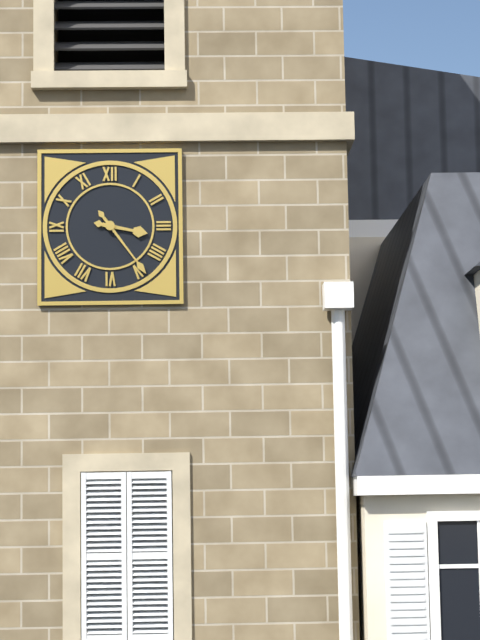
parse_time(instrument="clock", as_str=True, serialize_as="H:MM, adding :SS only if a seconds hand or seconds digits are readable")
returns 3:24
